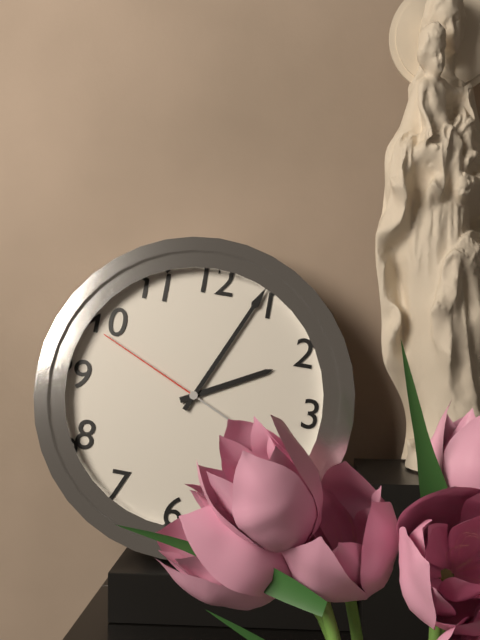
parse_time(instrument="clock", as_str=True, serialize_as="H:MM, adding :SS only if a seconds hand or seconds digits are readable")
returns 2:04:49
